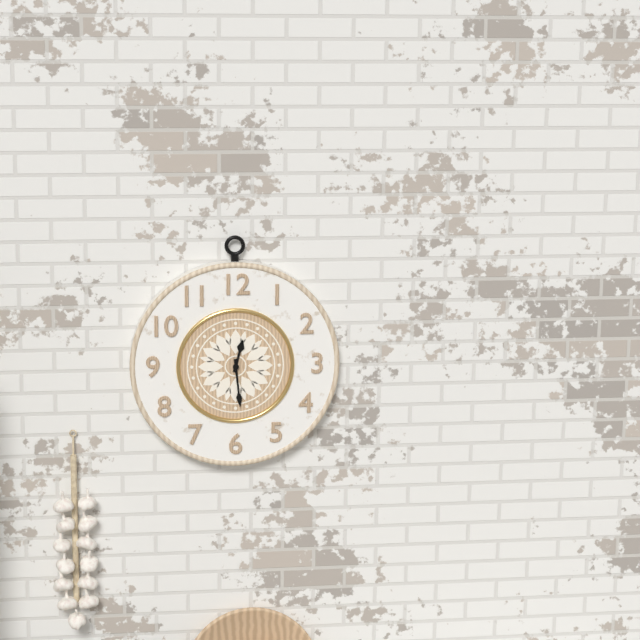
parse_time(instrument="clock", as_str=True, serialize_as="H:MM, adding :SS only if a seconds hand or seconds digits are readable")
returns 12:29
